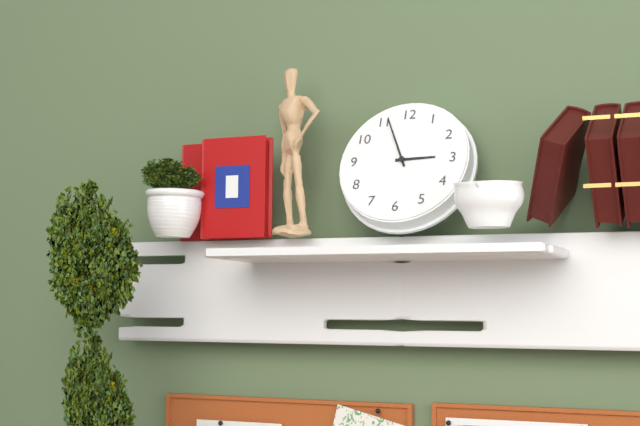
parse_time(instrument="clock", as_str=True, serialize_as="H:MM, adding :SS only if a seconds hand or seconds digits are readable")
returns 2:56
